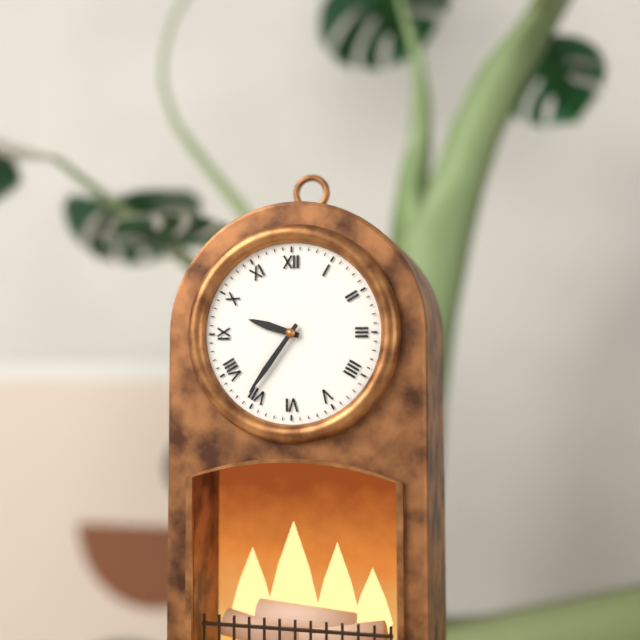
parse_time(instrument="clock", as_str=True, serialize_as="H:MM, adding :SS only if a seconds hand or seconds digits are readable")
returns 9:36
